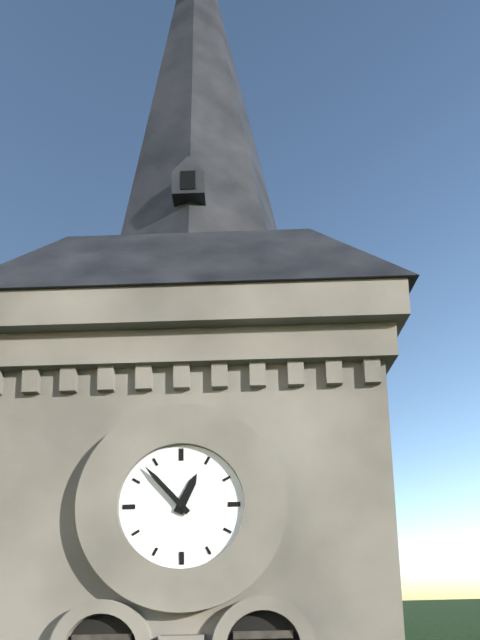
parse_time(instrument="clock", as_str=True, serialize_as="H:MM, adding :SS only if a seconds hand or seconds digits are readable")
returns 12:53
